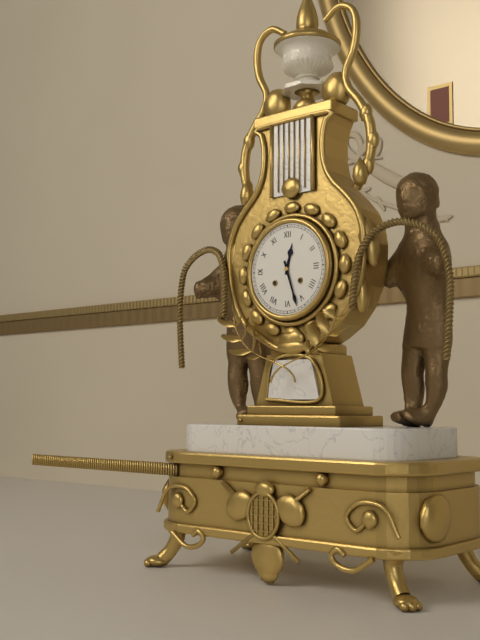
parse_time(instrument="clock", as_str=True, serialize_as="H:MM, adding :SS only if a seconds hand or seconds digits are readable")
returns 12:27
